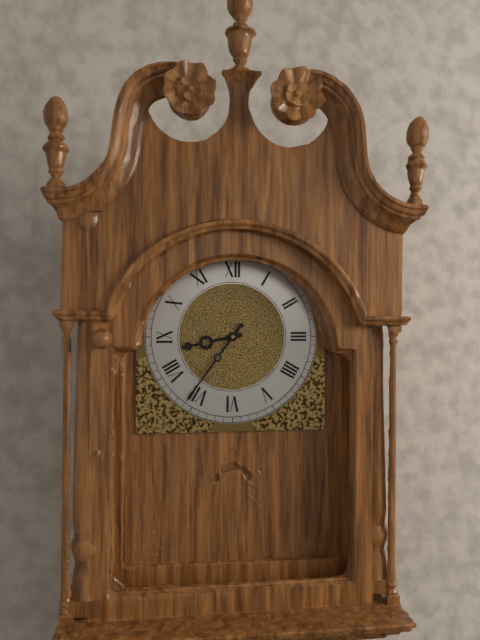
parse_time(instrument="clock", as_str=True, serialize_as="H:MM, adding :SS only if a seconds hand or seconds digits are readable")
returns 8:36
